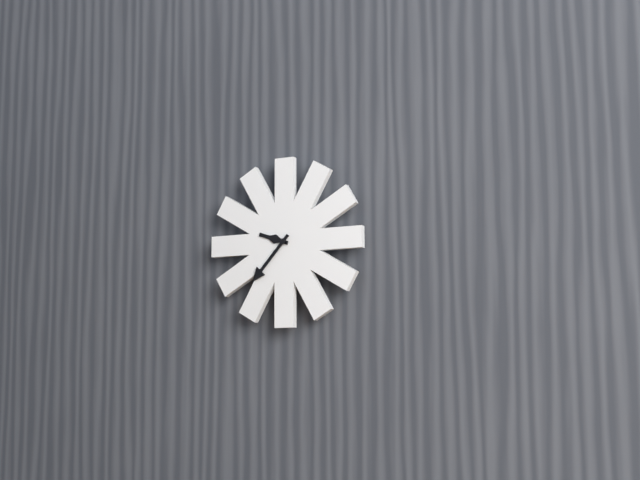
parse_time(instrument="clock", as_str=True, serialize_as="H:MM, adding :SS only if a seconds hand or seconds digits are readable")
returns 9:37
